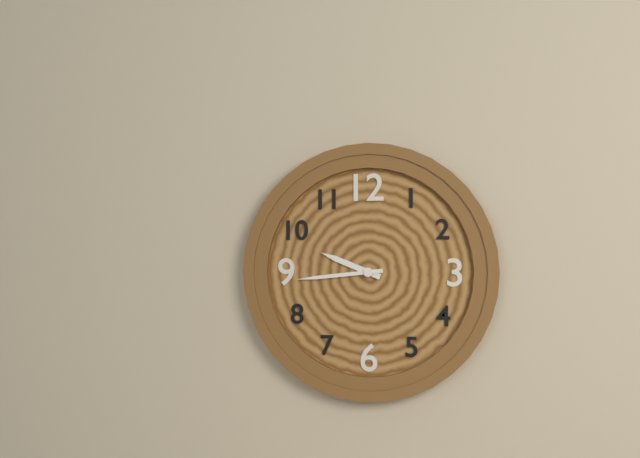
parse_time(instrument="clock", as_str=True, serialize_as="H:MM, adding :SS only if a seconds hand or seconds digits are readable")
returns 9:44
